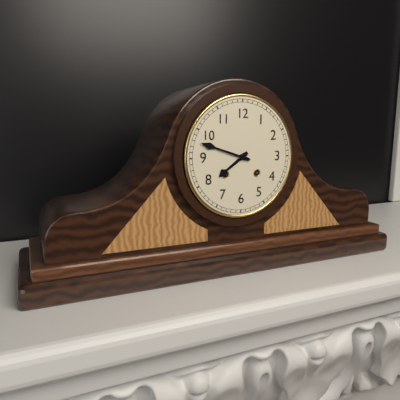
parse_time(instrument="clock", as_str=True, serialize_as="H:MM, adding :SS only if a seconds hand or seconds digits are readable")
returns 7:48
